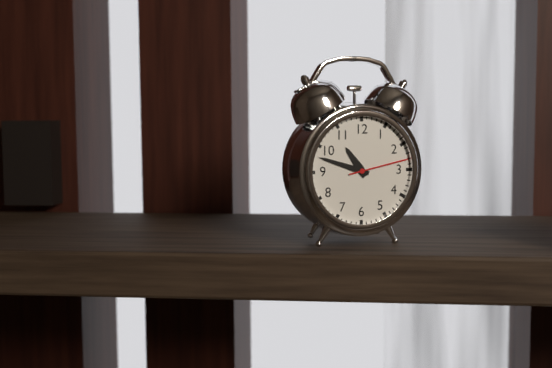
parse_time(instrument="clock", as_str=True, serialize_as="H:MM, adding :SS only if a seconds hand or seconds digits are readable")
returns 10:48:13
